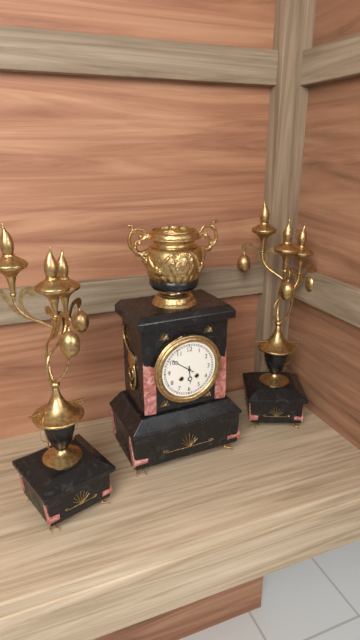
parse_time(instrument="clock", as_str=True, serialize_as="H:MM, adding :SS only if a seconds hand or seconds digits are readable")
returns 5:51
